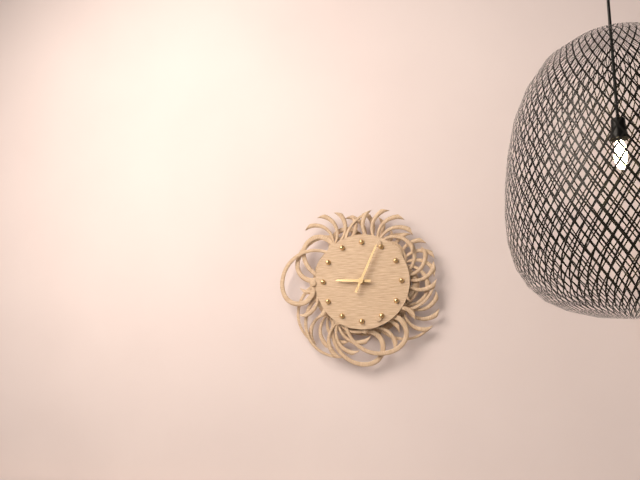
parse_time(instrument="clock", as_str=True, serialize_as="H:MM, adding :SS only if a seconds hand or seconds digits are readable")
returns 9:04
